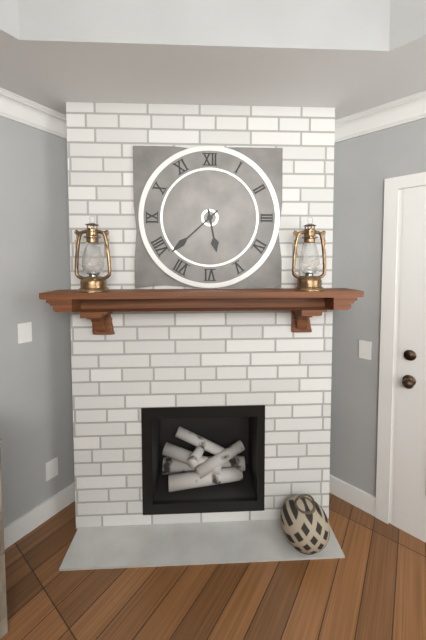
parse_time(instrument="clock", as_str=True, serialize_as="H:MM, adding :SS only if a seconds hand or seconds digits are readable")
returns 5:38
